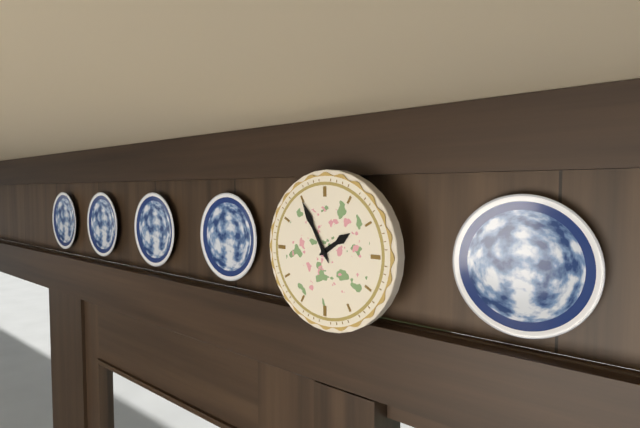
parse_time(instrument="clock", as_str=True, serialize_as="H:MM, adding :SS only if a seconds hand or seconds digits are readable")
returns 1:55
